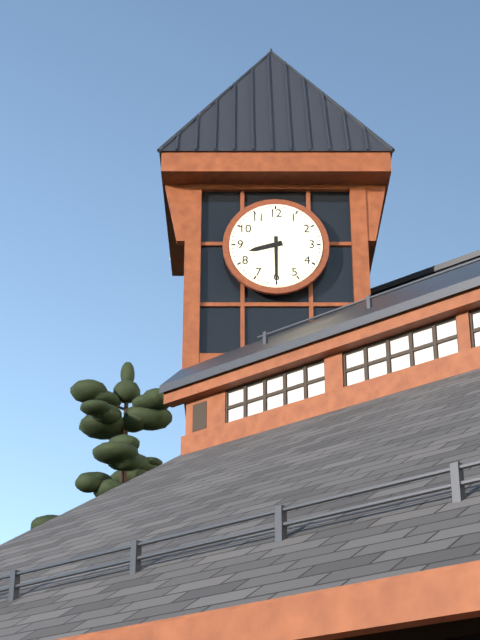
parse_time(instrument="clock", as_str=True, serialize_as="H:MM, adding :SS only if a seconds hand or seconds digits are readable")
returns 8:30
